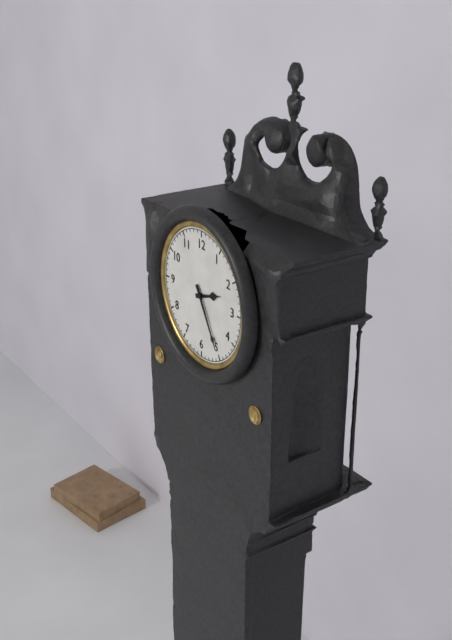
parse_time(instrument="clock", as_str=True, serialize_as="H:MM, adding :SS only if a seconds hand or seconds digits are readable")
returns 2:25
